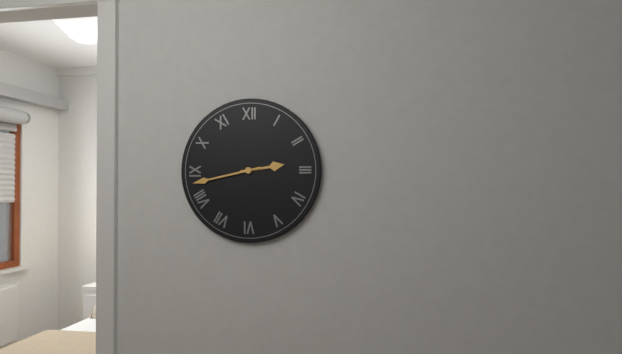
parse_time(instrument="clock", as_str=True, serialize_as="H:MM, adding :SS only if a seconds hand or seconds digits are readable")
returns 2:43
